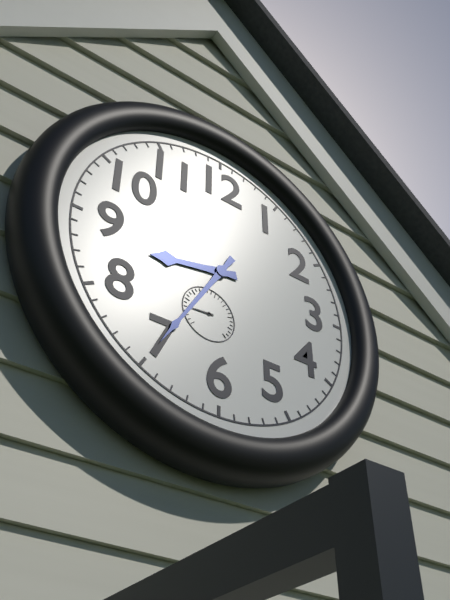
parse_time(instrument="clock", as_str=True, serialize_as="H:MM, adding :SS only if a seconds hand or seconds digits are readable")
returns 8:35
